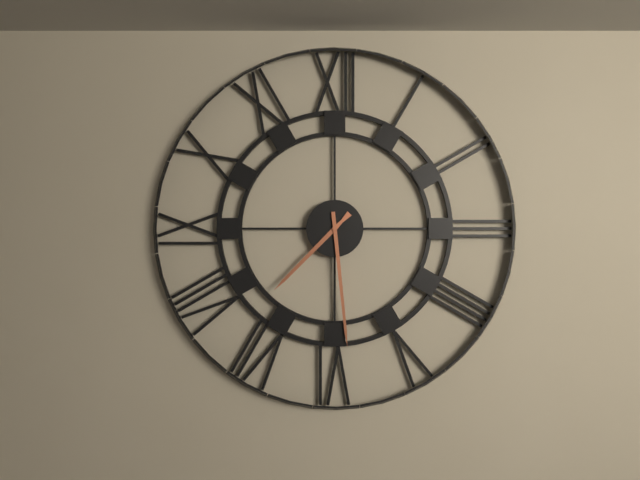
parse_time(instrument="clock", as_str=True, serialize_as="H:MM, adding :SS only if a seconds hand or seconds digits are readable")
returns 7:29
